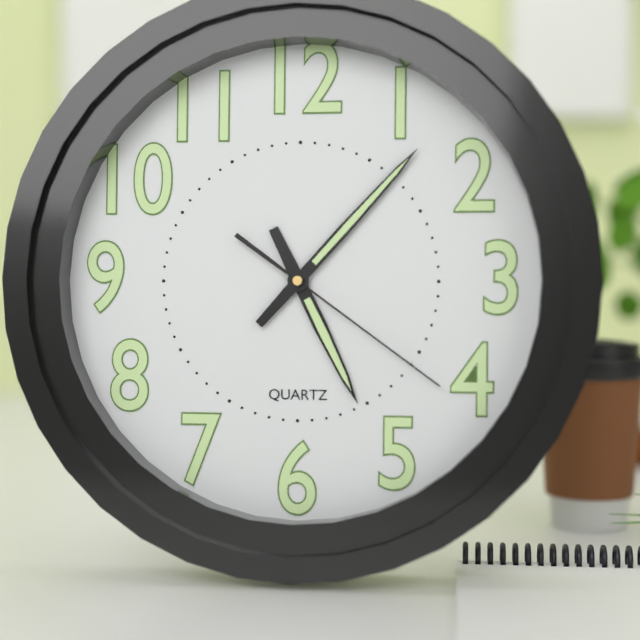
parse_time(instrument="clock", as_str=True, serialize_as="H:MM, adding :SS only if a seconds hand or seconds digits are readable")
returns 5:07:21
